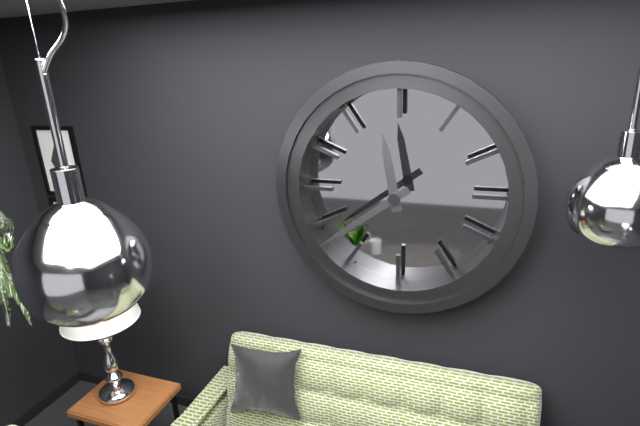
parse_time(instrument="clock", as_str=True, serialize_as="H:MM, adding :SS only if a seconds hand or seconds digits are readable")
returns 11:39
